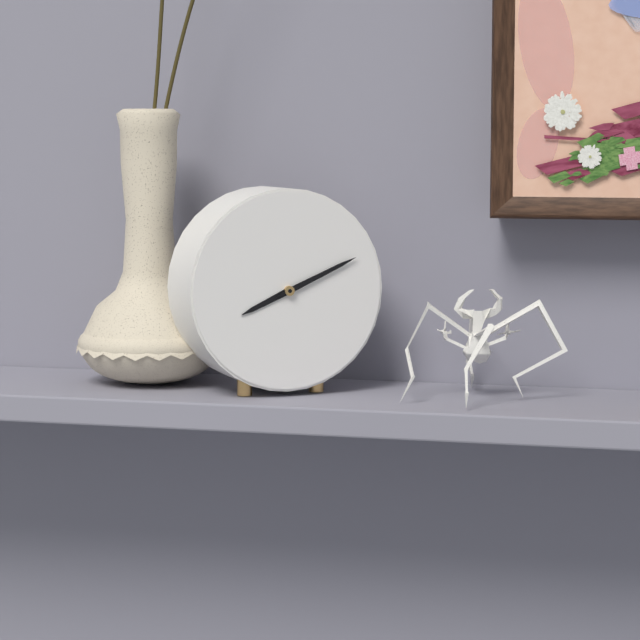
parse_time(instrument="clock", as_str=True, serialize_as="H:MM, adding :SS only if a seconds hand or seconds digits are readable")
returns 8:11
